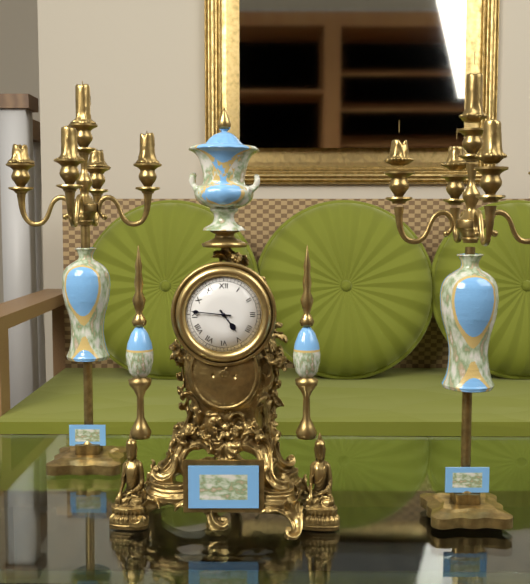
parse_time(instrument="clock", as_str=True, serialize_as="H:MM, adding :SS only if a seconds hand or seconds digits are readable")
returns 4:46
